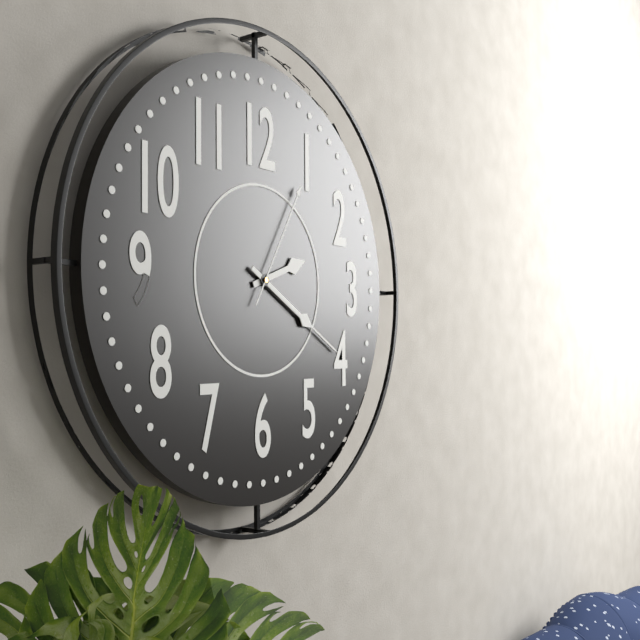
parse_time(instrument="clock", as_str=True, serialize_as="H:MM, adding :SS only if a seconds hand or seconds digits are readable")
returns 2:20:05
